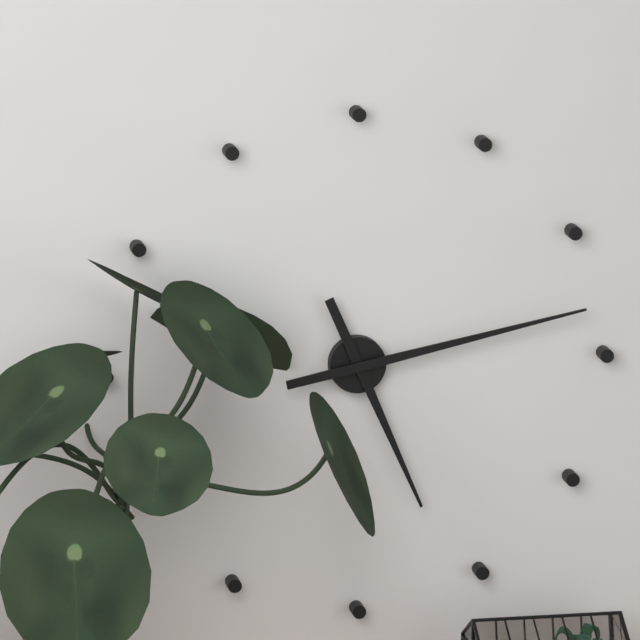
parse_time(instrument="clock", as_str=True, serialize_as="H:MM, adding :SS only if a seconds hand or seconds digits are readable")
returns 5:13
